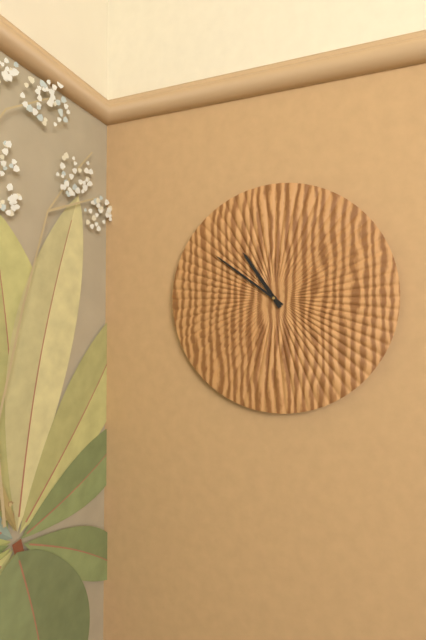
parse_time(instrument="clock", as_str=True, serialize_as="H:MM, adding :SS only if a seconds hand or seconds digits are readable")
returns 10:51
